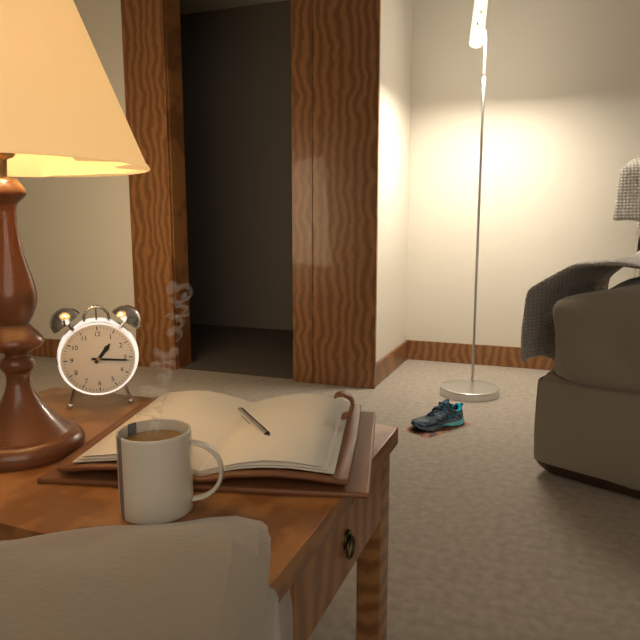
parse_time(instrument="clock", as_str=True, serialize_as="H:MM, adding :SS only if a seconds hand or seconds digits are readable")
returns 1:16
